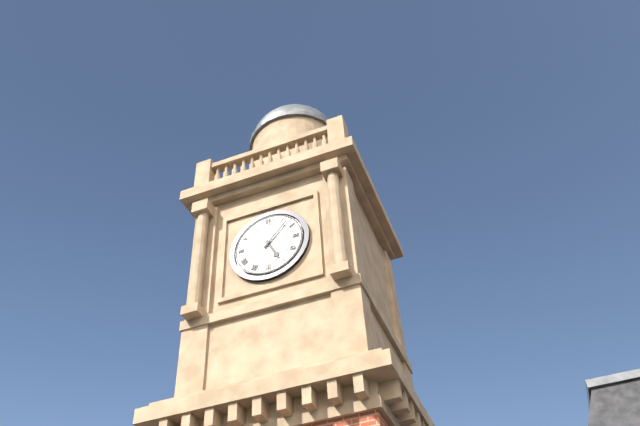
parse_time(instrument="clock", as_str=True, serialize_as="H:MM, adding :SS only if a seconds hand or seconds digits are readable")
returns 5:07
